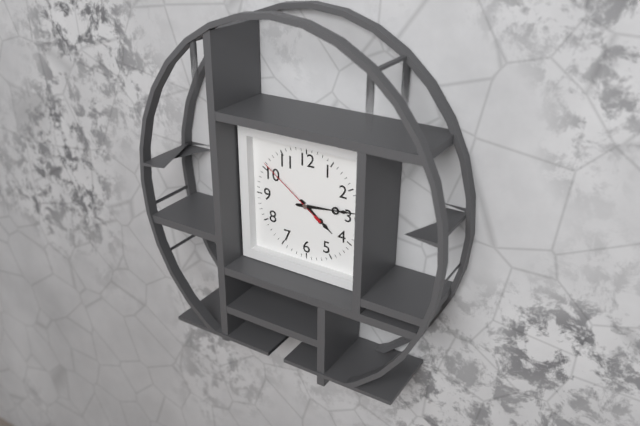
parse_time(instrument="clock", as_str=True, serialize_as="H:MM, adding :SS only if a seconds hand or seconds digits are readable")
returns 4:14:51
